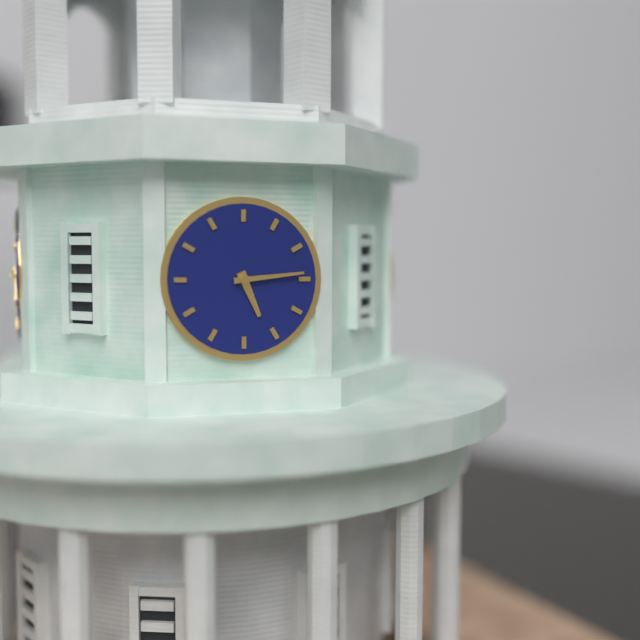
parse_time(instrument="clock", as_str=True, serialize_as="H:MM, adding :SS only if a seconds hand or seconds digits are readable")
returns 5:14
